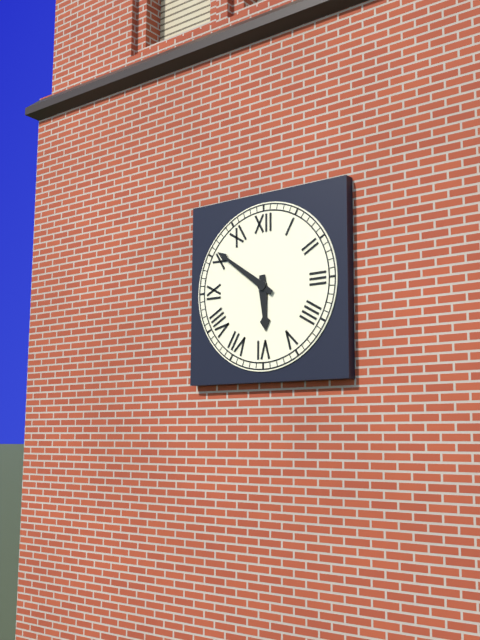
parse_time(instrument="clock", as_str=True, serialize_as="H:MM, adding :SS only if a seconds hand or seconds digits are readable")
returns 5:51
